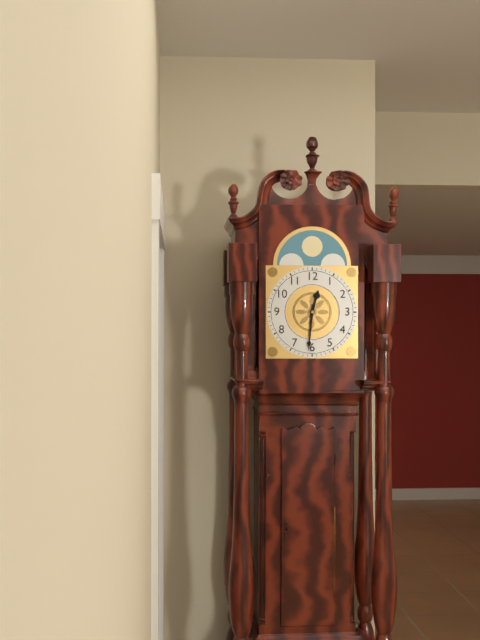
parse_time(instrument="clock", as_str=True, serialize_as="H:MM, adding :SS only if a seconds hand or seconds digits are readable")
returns 12:31
